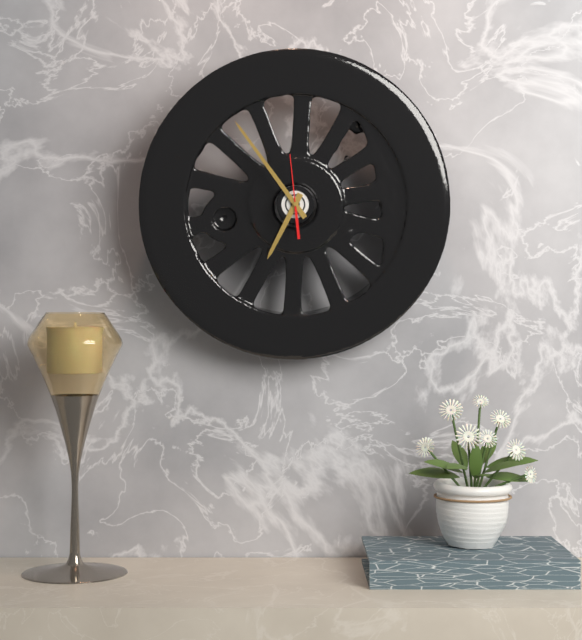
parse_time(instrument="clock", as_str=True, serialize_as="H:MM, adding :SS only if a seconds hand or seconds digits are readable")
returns 6:54:59
